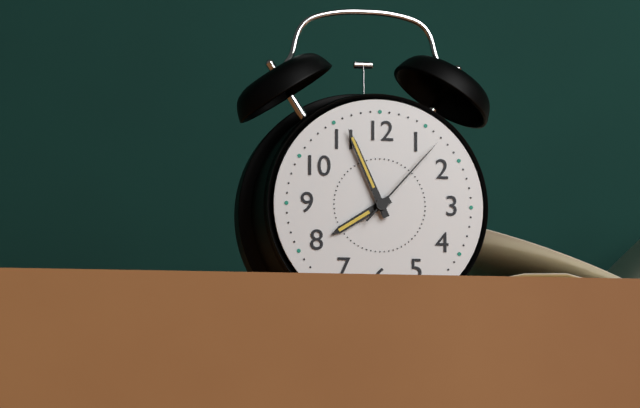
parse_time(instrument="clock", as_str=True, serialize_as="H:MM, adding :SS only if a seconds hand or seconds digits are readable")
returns 7:56:07
